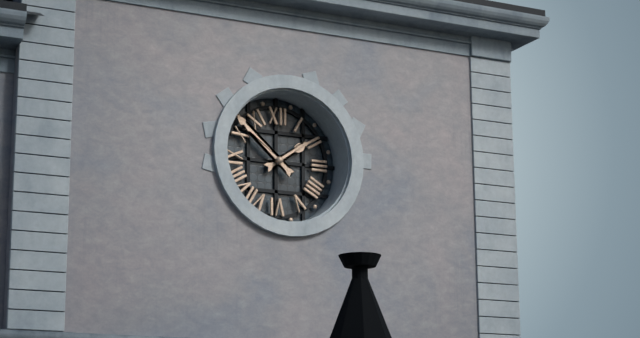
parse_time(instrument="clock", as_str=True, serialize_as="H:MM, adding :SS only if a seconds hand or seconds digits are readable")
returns 1:52
